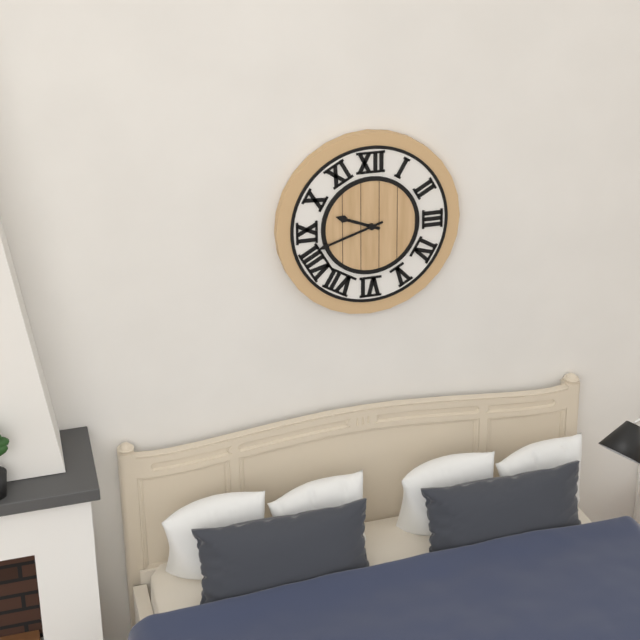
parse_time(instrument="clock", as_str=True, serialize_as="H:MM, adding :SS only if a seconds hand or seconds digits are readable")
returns 9:42
